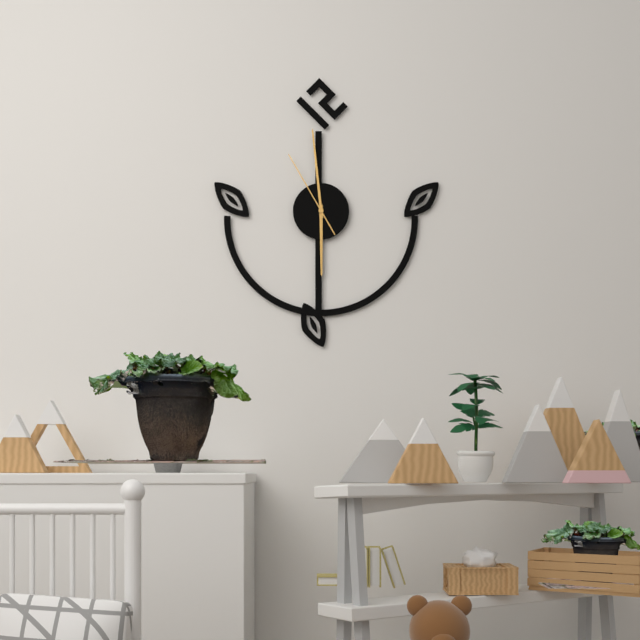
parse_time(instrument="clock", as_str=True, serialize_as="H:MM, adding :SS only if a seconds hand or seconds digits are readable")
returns 5:59:55
